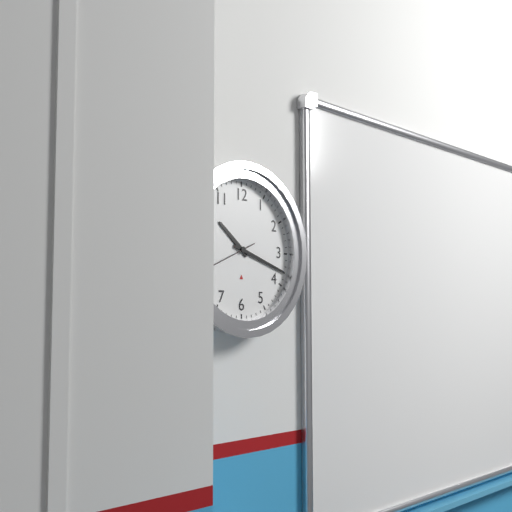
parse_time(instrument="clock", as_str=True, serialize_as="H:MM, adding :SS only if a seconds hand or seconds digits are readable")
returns 10:18
